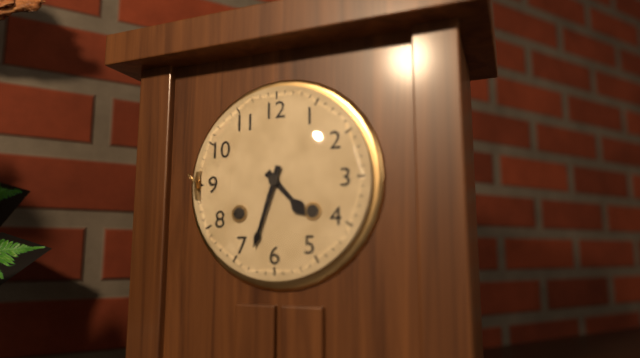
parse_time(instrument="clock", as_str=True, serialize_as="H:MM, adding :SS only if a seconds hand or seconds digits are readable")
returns 4:33
